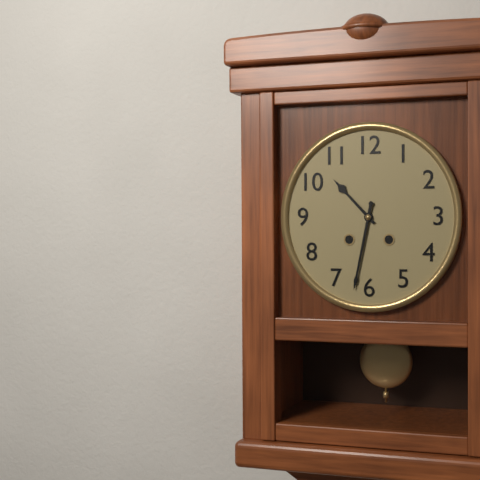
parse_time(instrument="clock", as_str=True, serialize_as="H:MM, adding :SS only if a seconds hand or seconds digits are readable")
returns 10:32
